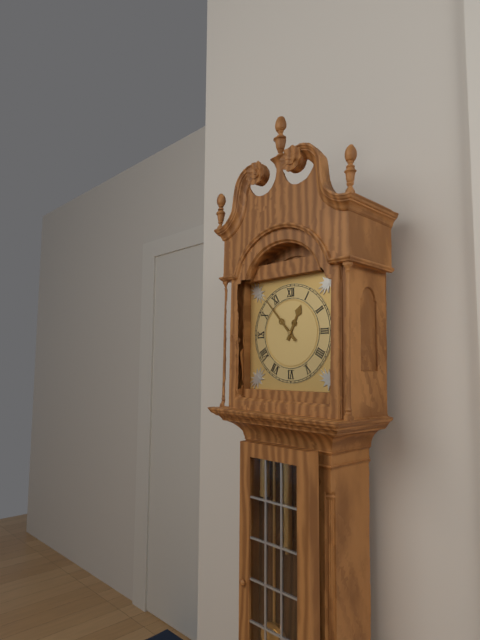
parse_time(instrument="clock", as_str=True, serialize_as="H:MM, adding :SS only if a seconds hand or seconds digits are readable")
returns 12:53
